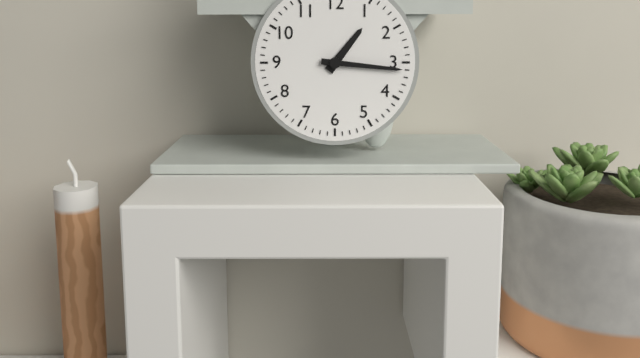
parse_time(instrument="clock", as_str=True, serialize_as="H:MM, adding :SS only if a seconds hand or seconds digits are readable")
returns 1:16
